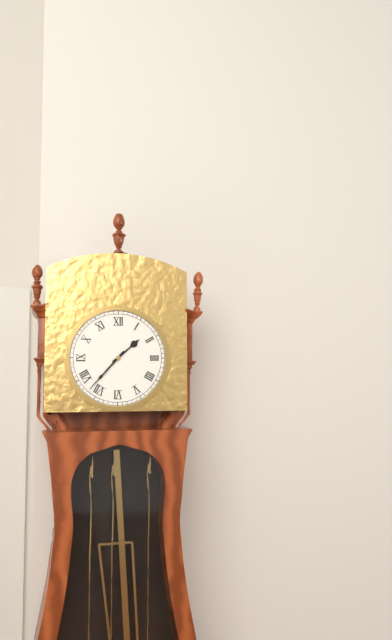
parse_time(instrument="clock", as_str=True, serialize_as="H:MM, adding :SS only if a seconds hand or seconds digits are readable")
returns 1:37
